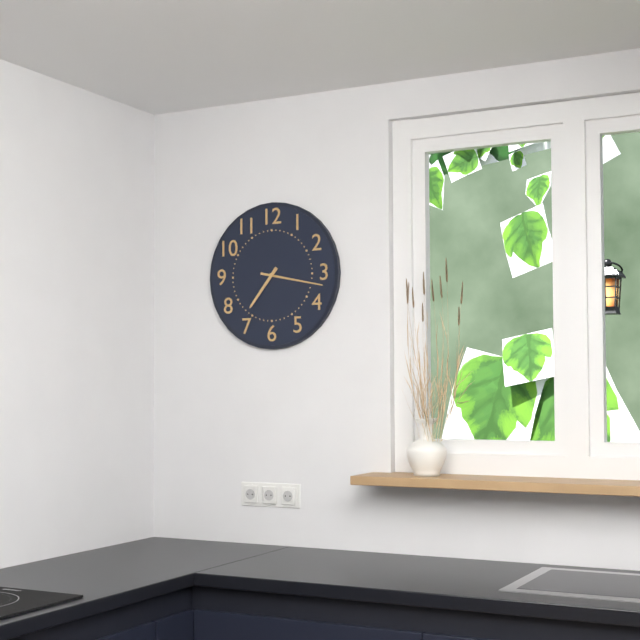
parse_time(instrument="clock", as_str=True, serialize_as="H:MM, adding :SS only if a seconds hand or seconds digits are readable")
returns 7:17
